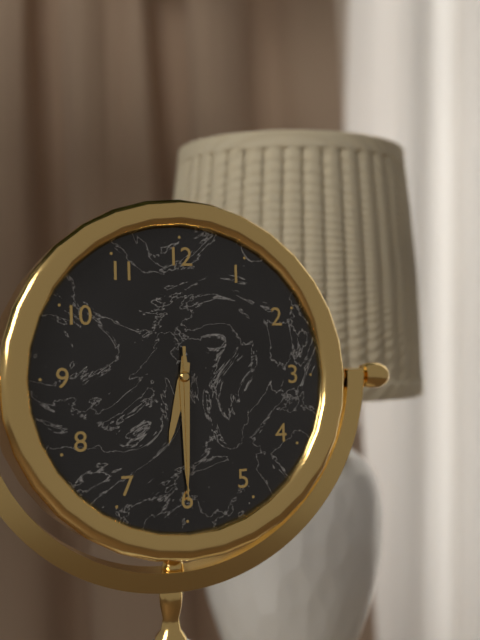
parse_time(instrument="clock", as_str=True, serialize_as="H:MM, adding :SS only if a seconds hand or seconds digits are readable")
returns 6:30:30
